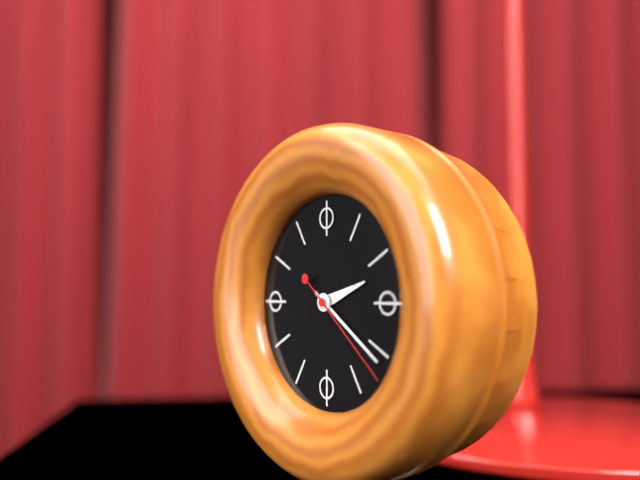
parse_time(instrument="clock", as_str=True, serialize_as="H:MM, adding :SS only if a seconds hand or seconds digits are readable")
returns 2:21:22
